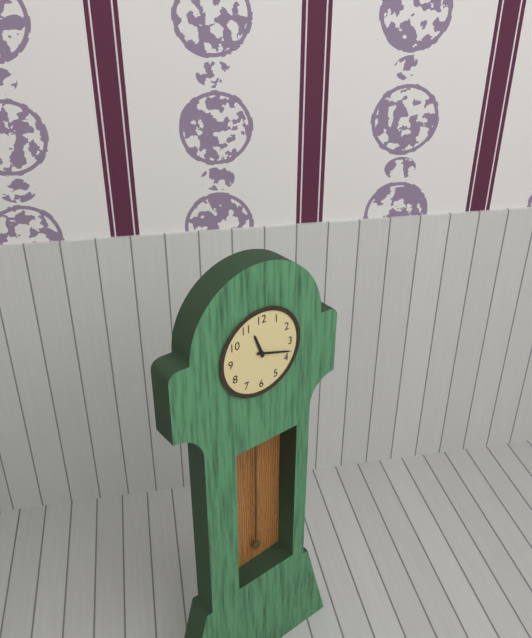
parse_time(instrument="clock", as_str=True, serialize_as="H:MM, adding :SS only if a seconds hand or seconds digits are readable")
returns 11:18
